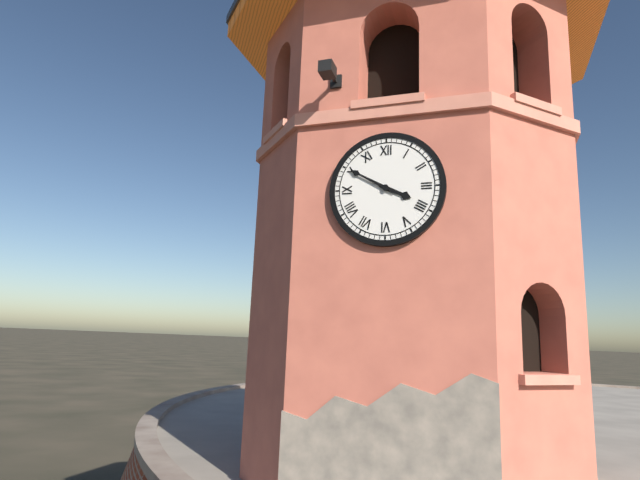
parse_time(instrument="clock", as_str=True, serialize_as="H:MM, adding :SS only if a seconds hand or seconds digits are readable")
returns 3:50
